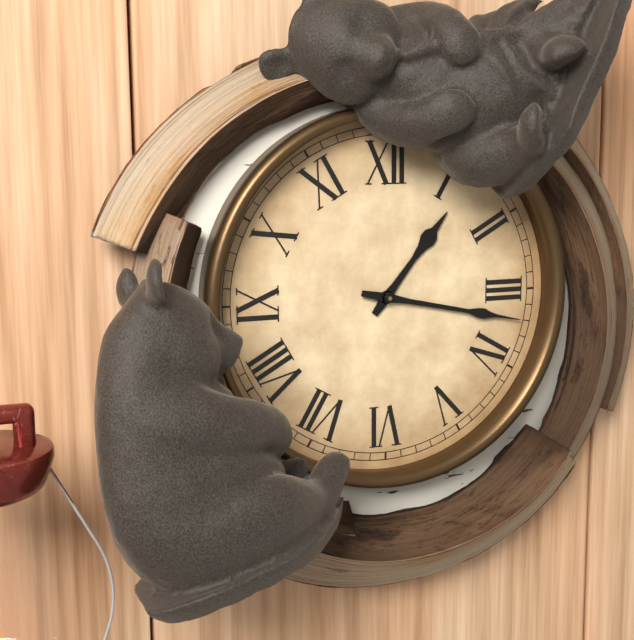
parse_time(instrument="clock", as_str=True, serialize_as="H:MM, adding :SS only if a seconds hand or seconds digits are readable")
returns 1:17
